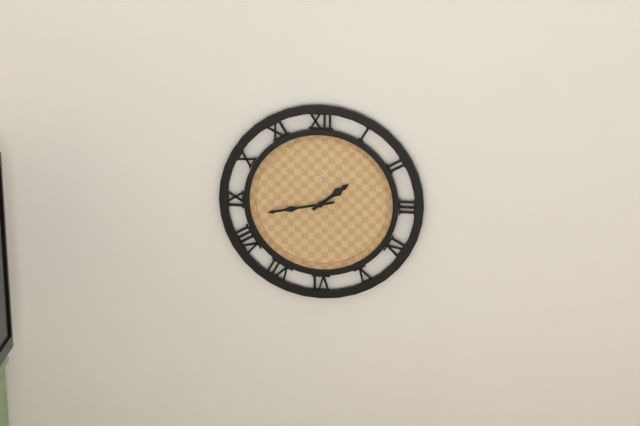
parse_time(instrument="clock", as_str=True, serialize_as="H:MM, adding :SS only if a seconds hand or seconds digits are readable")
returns 1:43
